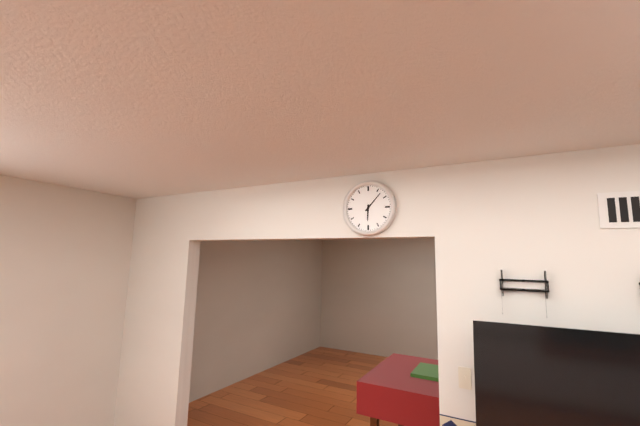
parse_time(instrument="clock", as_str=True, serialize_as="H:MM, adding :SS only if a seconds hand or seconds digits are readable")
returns 6:07
